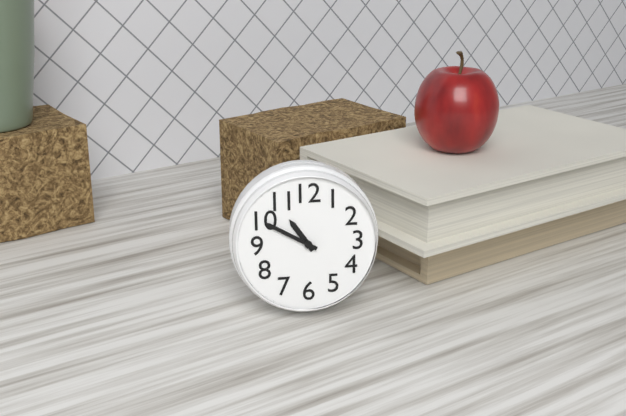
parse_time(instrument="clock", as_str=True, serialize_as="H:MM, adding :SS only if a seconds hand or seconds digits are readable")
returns 10:50
